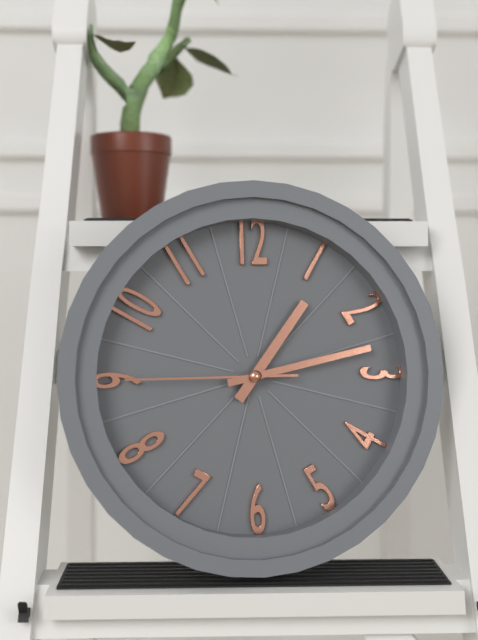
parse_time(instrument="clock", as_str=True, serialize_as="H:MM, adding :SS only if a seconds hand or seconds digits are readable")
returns 1:13:45
